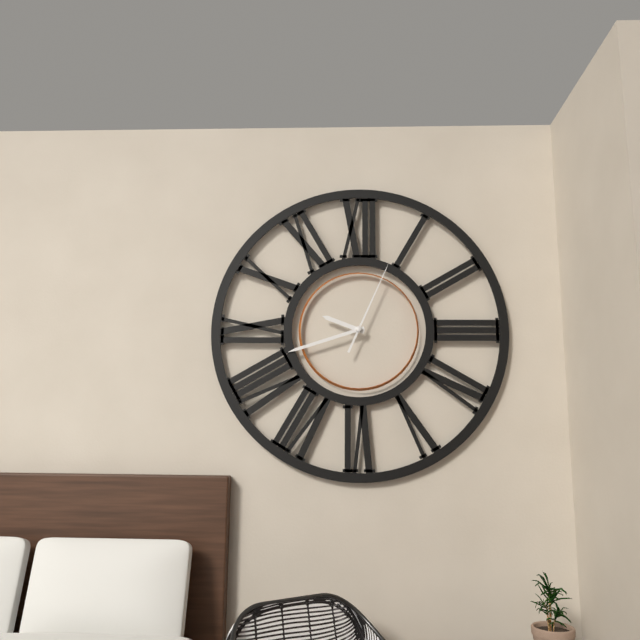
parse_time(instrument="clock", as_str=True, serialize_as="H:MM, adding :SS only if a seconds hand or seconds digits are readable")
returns 9:42:04
